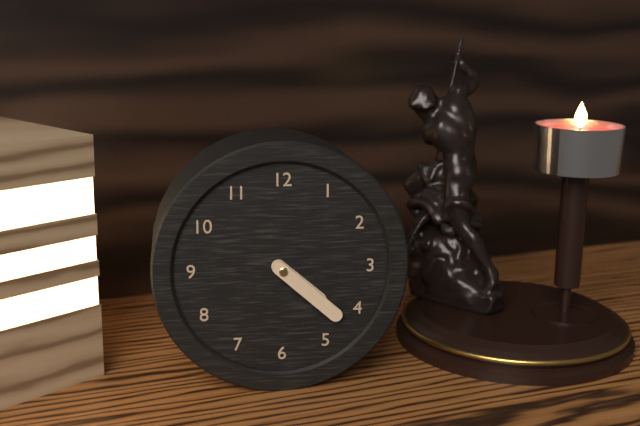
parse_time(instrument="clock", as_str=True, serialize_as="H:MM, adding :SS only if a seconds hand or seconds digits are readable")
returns 4:22
